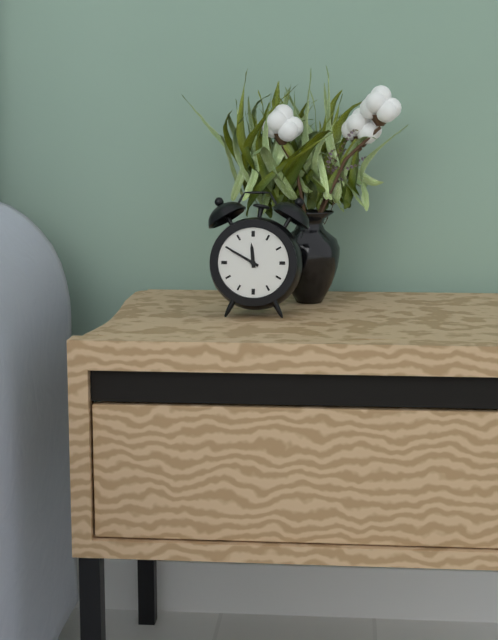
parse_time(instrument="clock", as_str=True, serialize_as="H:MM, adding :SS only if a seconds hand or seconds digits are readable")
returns 11:50
